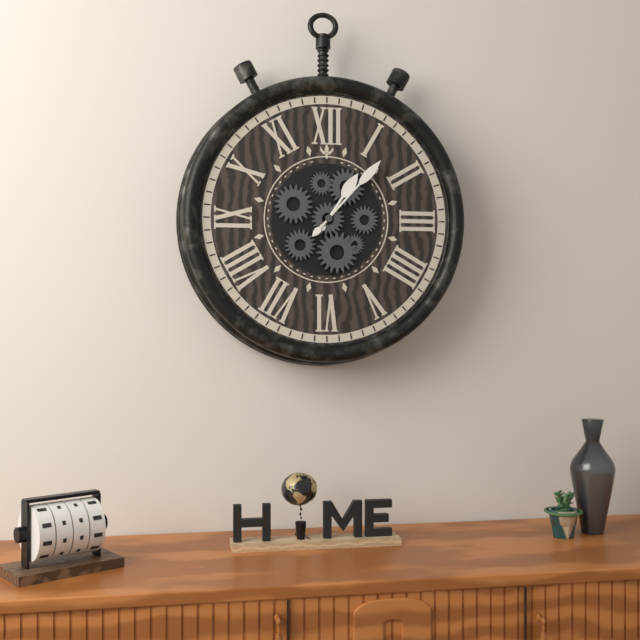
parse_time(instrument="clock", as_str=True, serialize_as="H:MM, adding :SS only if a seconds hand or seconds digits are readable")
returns 1:07
